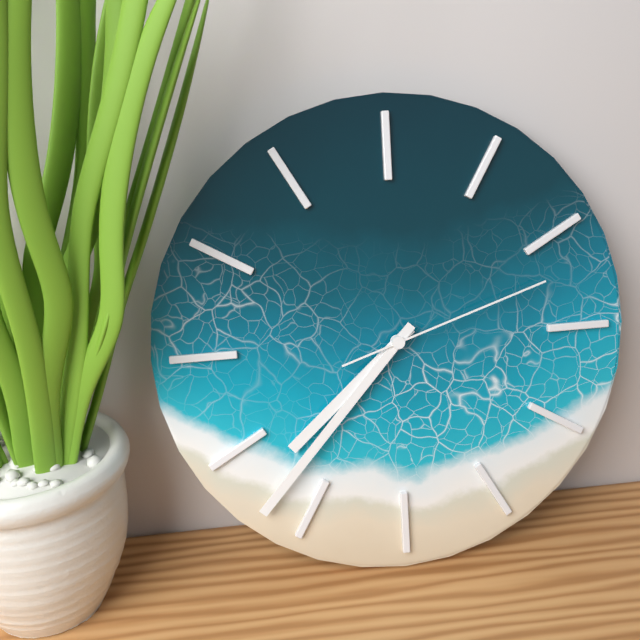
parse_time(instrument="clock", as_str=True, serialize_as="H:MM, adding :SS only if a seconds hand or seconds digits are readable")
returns 7:37:12
